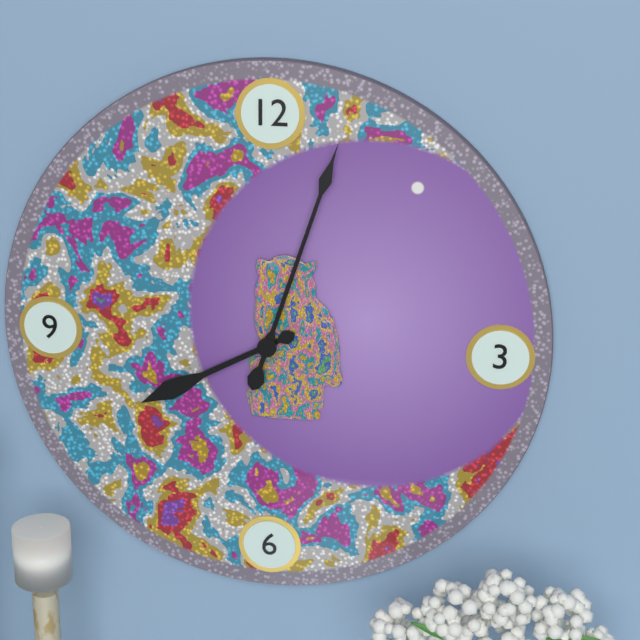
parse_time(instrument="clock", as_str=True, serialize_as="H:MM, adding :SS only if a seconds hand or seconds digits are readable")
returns 8:03
